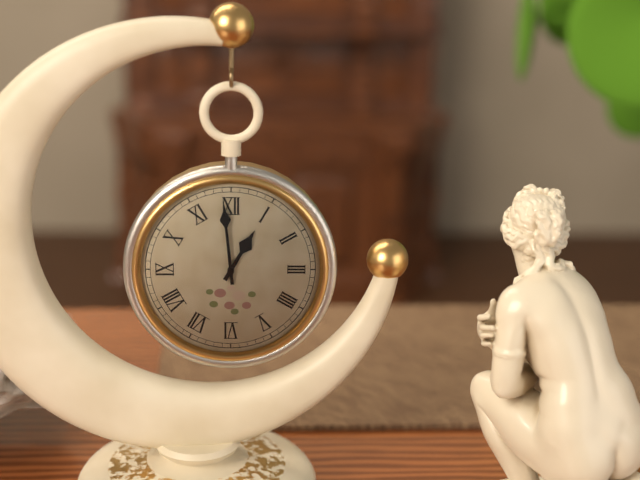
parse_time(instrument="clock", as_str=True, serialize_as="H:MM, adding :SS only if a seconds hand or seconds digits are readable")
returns 12:59
